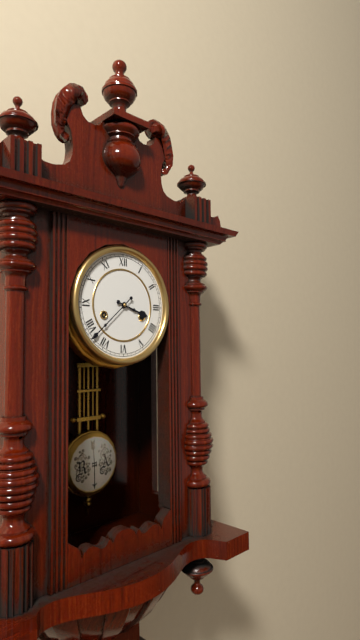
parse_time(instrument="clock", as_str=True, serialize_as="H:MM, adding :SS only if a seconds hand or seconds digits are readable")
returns 3:38
